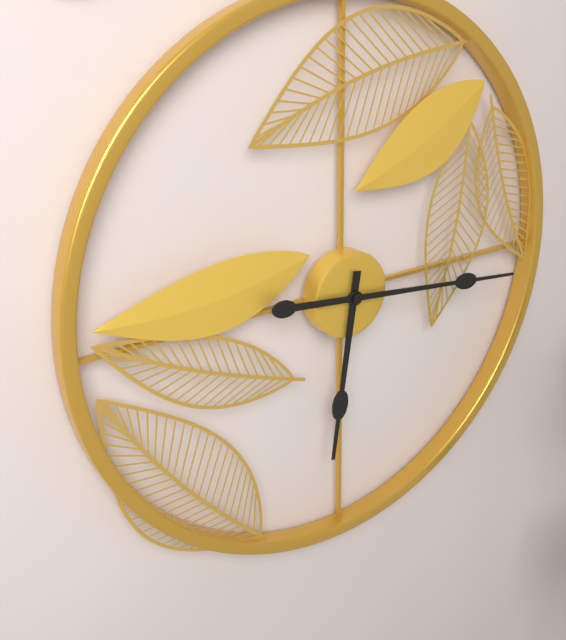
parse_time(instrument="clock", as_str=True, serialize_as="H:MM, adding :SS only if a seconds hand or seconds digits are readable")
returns 6:16
